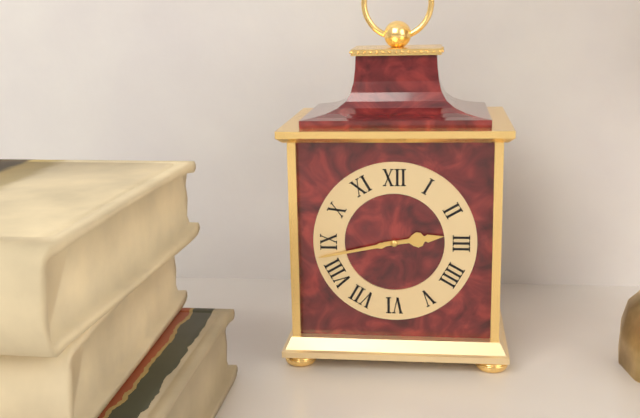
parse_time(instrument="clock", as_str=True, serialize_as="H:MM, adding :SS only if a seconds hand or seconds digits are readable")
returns 2:43
